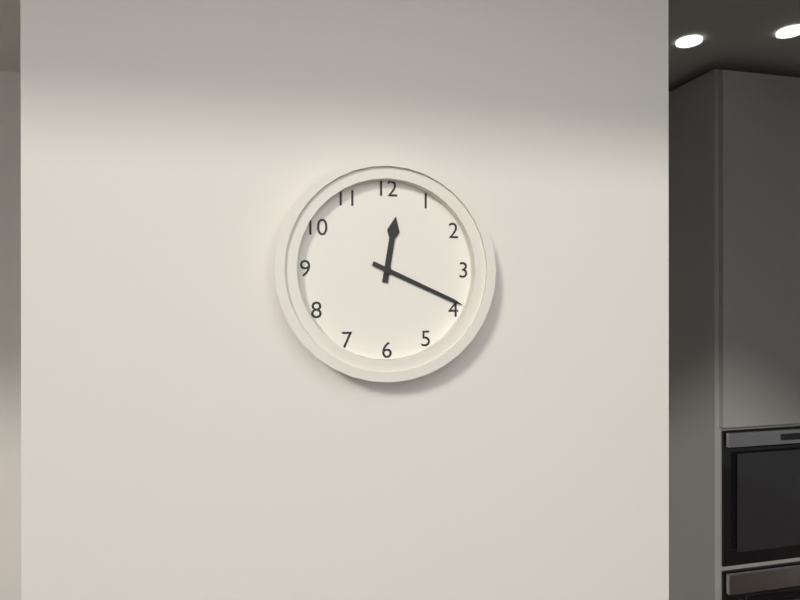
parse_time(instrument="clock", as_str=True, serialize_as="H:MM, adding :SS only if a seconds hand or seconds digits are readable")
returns 12:19
